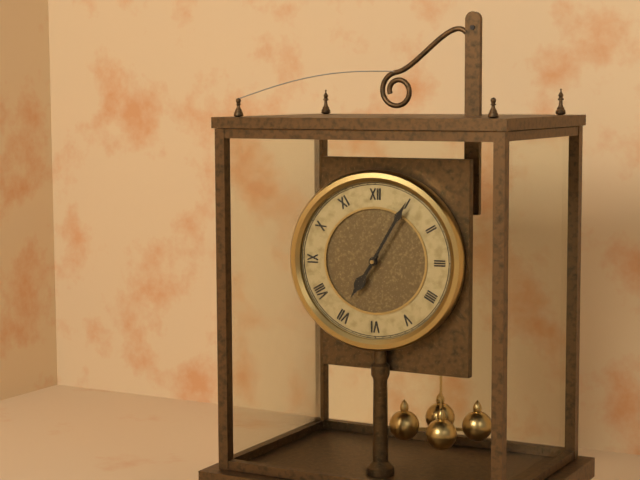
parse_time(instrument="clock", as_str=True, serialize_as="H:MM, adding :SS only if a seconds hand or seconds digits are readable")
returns 7:05
